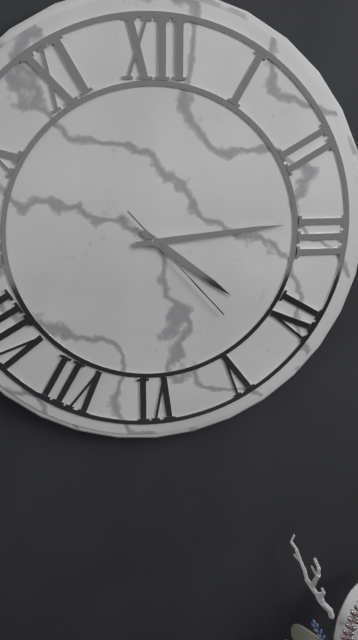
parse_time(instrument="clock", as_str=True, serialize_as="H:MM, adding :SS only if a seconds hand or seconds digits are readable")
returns 4:14:23
